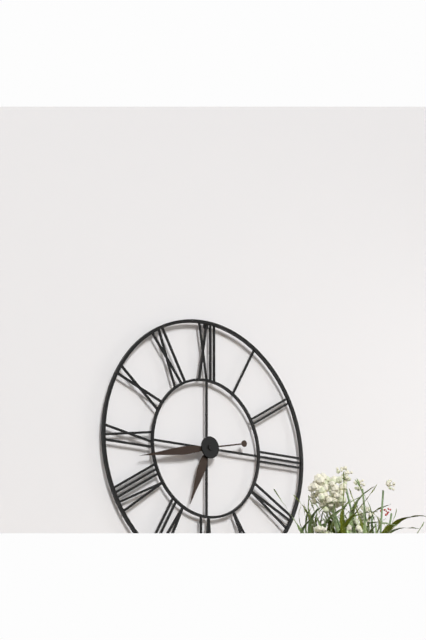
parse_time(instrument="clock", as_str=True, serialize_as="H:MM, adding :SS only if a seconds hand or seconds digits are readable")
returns 6:43
